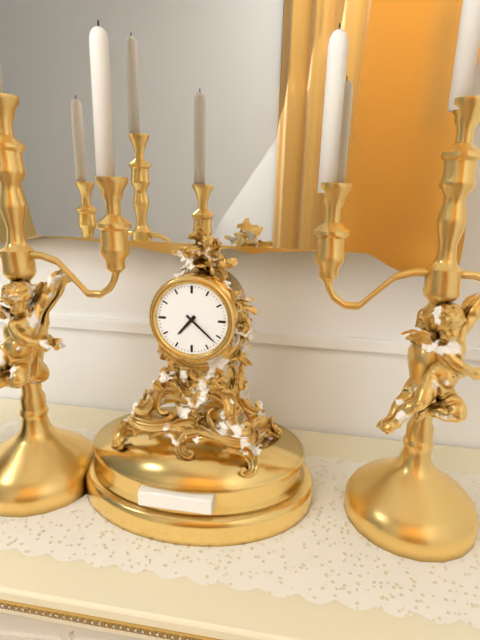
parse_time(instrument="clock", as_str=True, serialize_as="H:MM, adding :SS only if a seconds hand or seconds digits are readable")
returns 7:22
